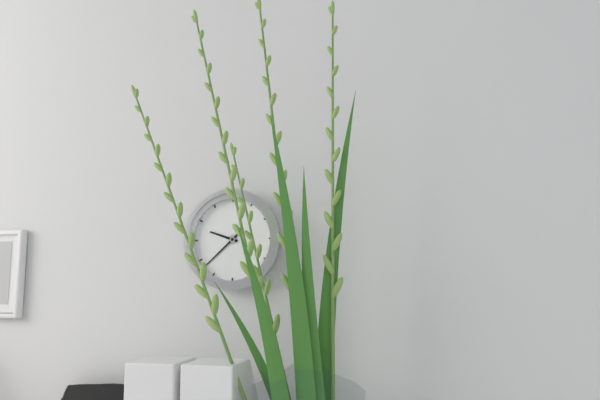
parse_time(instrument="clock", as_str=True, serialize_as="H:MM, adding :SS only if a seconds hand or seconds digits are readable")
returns 9:38
